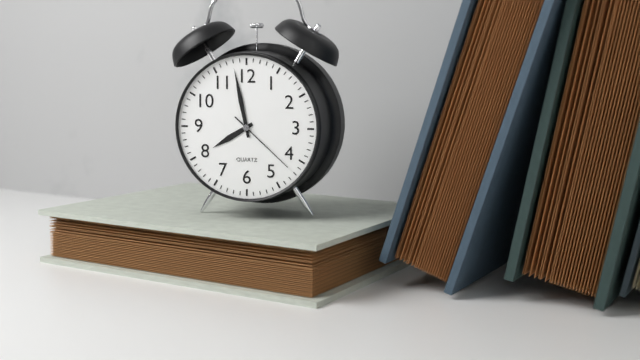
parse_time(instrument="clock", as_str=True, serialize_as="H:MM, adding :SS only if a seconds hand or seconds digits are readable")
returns 7:58:22
